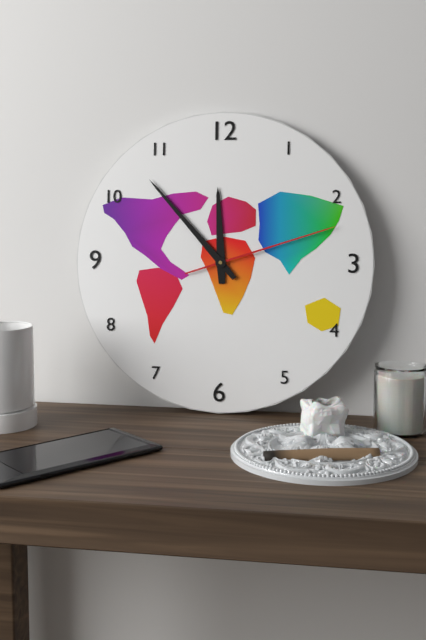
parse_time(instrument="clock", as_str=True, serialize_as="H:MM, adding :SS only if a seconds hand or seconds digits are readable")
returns 11:53:12
